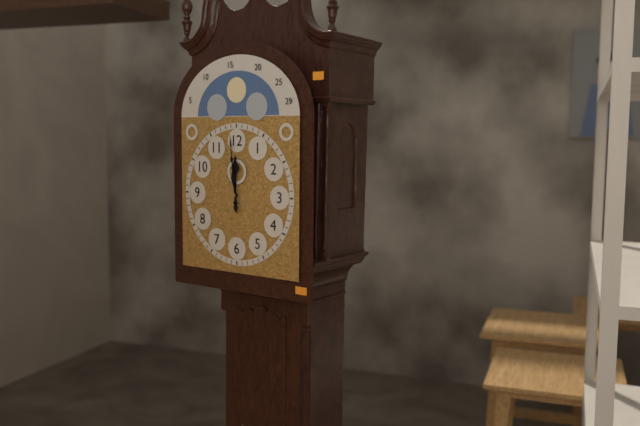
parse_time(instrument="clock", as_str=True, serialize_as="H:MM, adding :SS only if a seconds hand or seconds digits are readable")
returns 11:59
